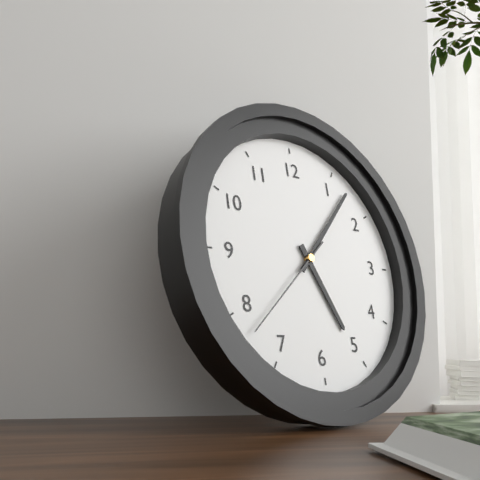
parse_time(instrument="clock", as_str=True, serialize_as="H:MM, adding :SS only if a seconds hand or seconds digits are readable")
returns 5:07:38
